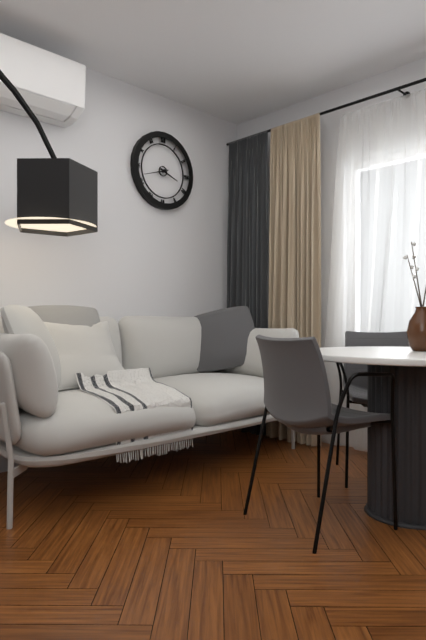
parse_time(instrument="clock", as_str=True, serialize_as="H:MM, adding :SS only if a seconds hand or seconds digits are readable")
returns 3:42
